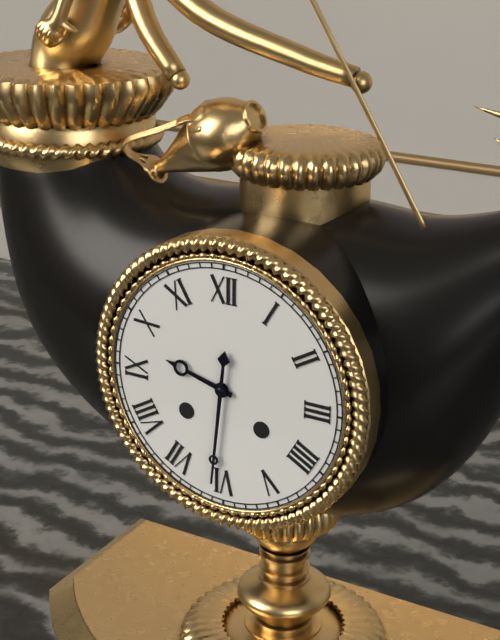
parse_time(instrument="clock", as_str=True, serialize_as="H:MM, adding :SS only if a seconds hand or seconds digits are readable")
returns 9:31
